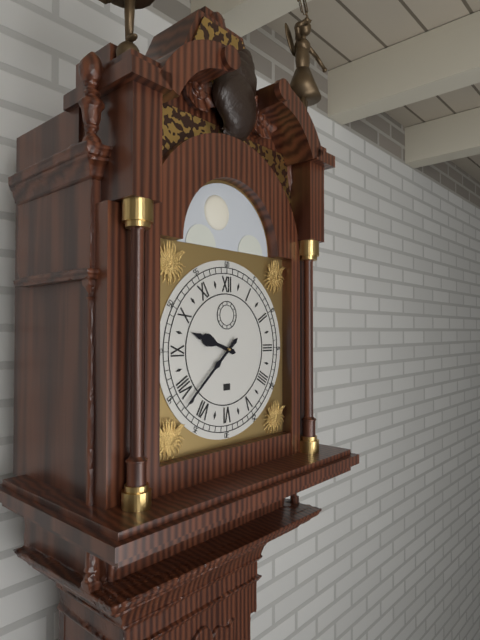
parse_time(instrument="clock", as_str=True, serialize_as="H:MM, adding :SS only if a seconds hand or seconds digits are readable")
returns 9:38
